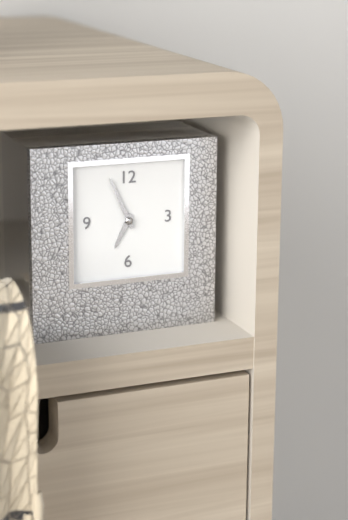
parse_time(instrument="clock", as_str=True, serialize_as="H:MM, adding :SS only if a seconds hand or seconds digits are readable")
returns 6:56
